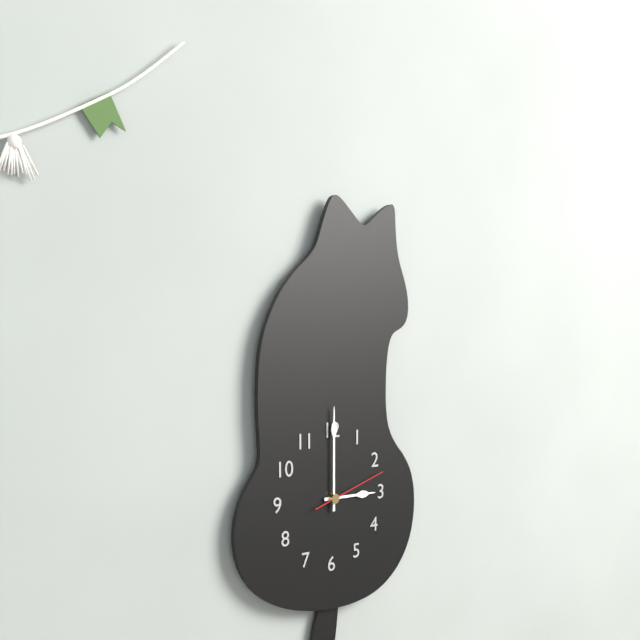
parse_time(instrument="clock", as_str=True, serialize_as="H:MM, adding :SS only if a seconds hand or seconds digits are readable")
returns 3:00:12
